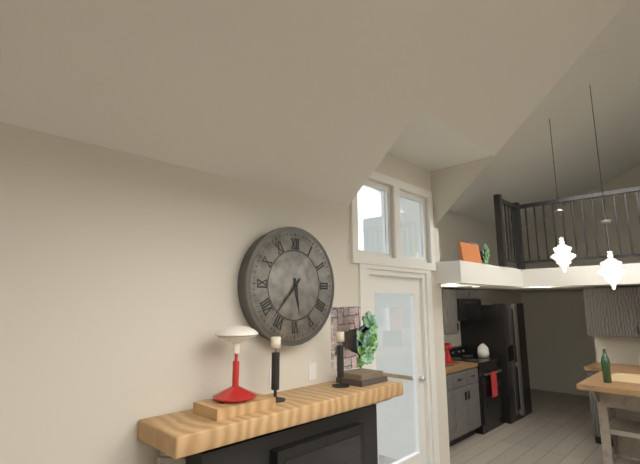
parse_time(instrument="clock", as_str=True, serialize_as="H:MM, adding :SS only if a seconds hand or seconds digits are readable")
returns 5:37
